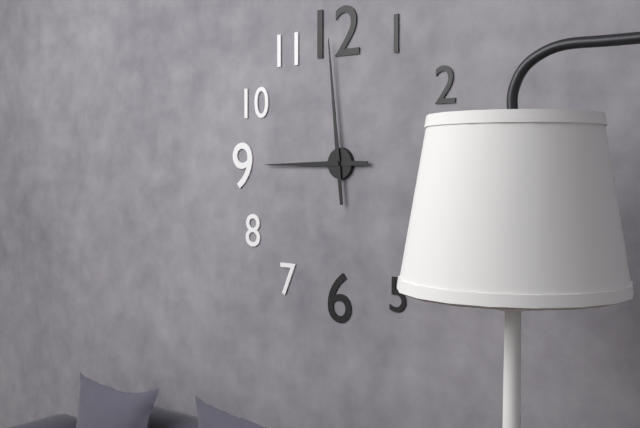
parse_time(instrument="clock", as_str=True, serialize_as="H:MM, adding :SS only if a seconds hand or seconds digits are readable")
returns 8:59
